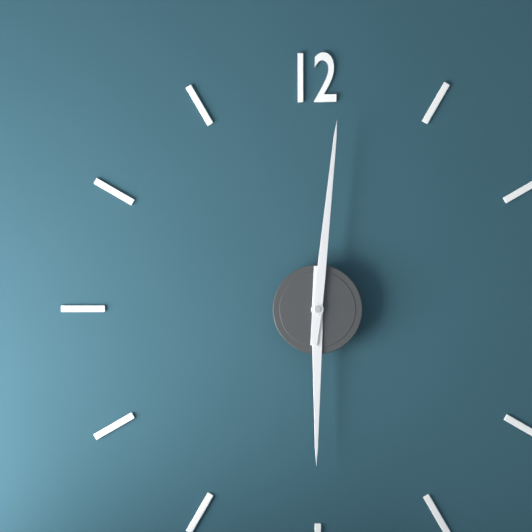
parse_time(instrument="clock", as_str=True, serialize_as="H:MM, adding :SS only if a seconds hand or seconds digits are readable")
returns 6:01
